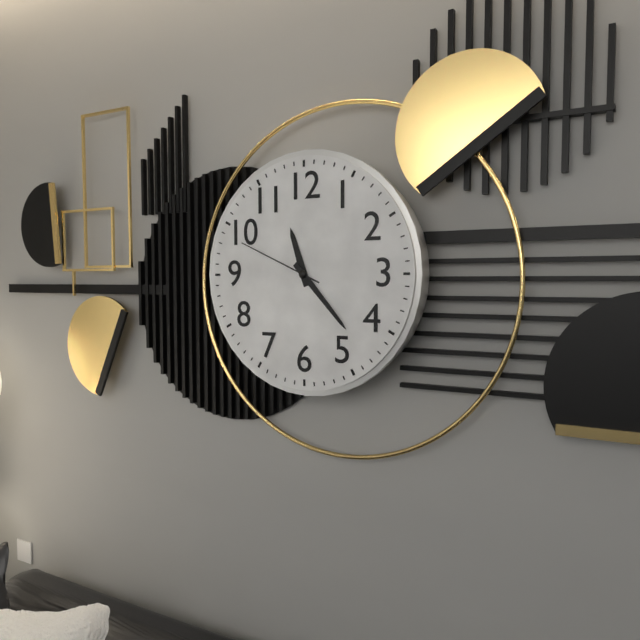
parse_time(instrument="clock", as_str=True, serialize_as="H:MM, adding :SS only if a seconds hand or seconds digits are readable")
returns 11:23:49
